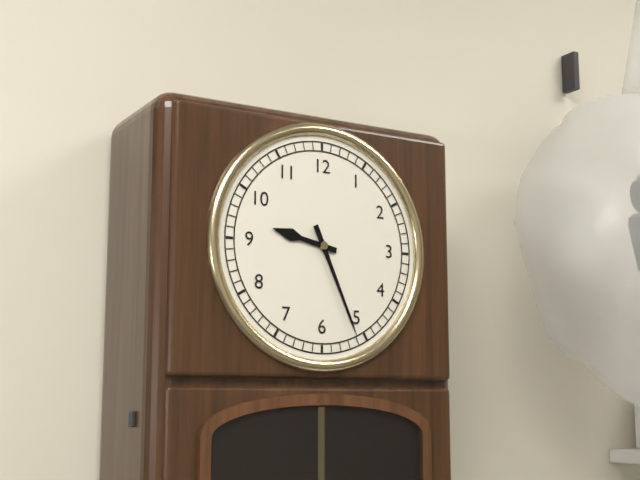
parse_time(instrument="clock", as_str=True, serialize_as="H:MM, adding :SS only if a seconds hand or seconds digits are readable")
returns 9:26
